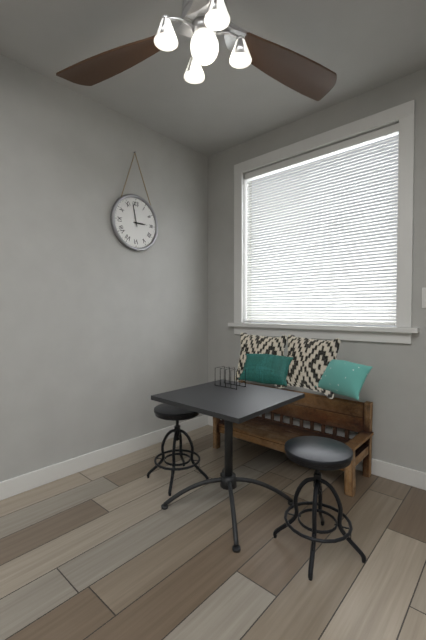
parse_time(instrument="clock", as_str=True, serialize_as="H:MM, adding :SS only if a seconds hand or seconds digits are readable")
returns 2:58
